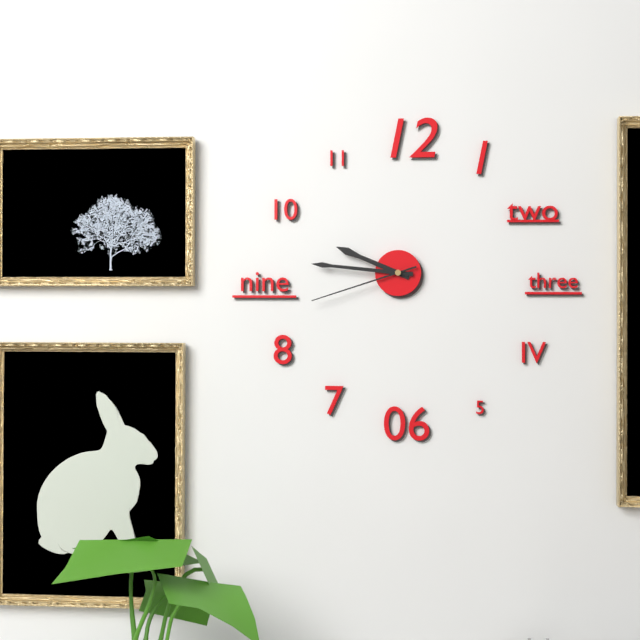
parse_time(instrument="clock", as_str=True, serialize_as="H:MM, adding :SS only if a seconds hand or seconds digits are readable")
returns 9:46:42
